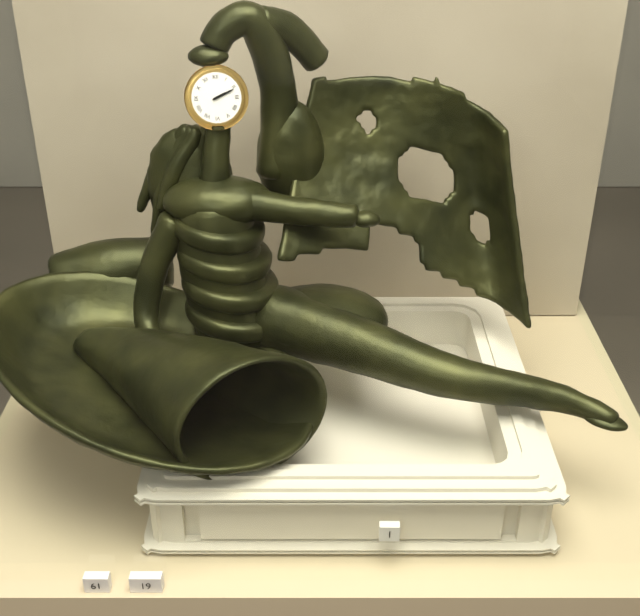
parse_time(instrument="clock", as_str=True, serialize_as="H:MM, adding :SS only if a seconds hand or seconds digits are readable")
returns 2:11
